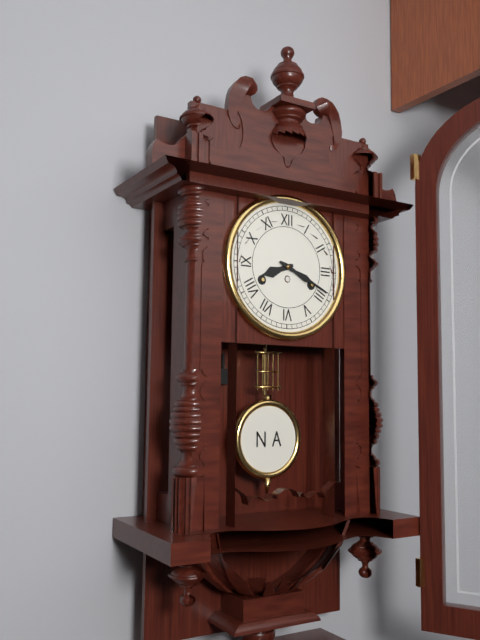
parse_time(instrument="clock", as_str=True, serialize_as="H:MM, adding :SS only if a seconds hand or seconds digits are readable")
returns 8:19
